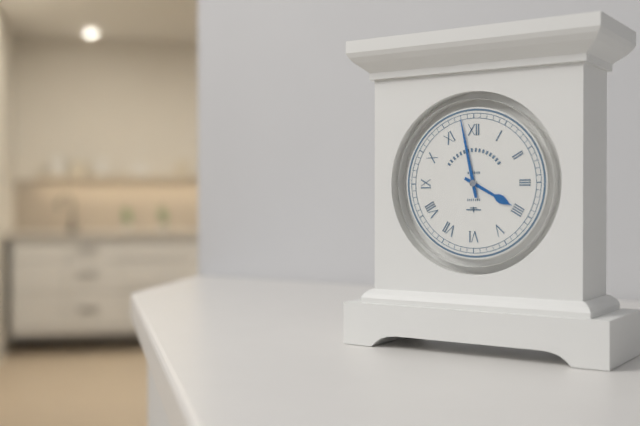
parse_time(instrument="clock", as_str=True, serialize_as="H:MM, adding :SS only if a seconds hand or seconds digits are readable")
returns 3:58
